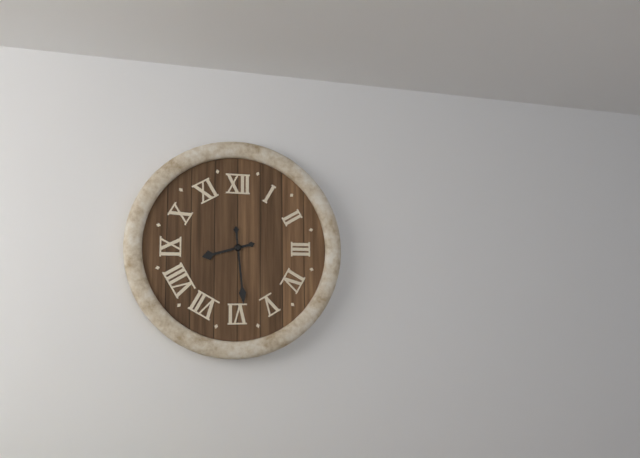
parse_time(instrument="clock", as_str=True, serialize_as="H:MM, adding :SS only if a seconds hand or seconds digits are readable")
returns 8:29
